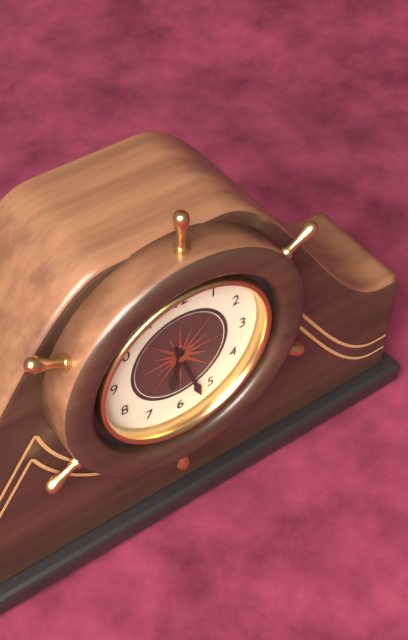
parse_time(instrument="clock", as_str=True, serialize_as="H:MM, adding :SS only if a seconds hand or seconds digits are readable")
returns 6:27
